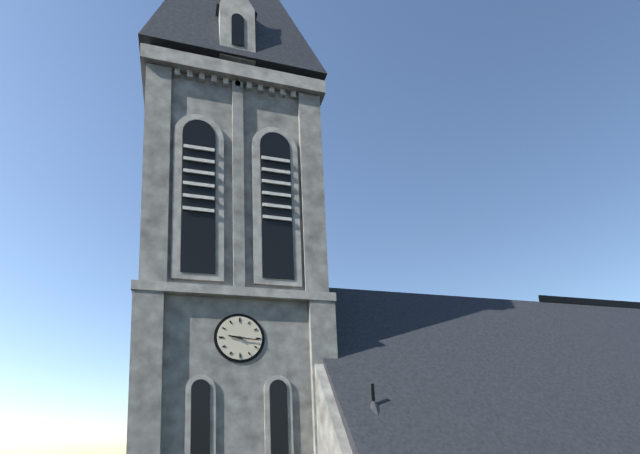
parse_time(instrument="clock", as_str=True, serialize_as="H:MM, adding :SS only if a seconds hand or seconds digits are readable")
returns 9:16
